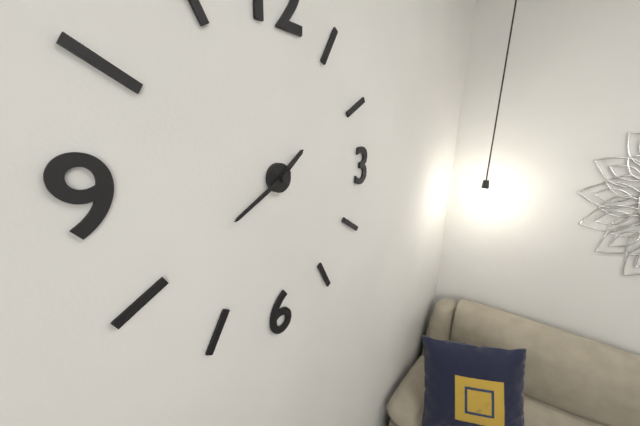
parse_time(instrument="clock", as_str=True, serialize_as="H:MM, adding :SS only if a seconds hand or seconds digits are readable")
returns 1:40
